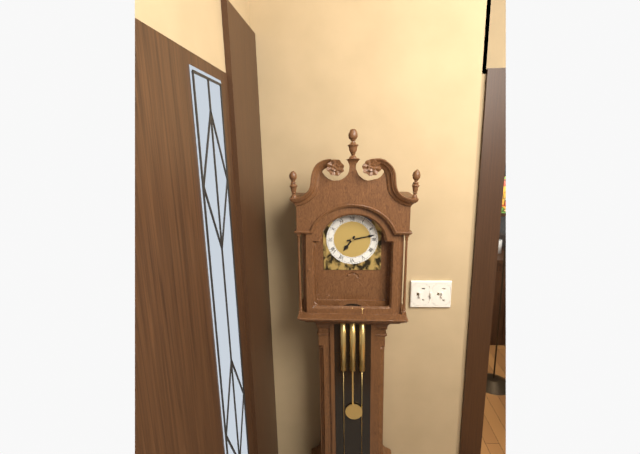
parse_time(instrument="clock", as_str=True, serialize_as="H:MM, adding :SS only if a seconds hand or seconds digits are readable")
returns 7:13
